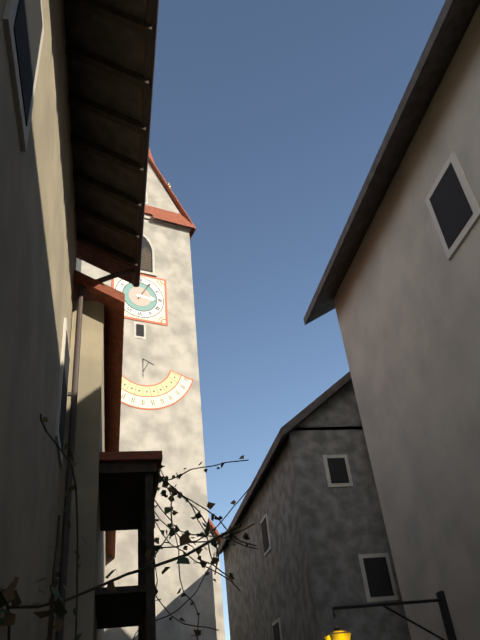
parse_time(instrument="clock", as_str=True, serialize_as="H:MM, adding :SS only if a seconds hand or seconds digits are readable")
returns 3:05
